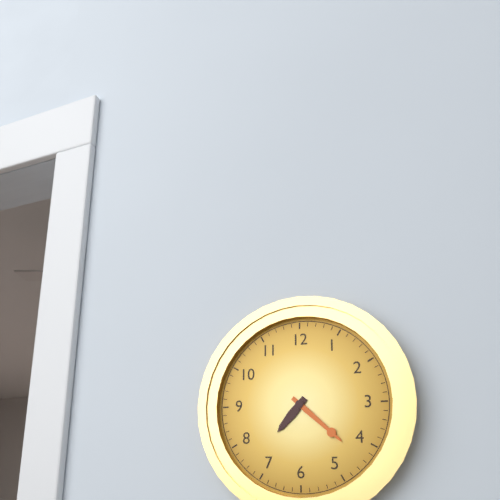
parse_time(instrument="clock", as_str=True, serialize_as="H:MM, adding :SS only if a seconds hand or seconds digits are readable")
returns 7:22
